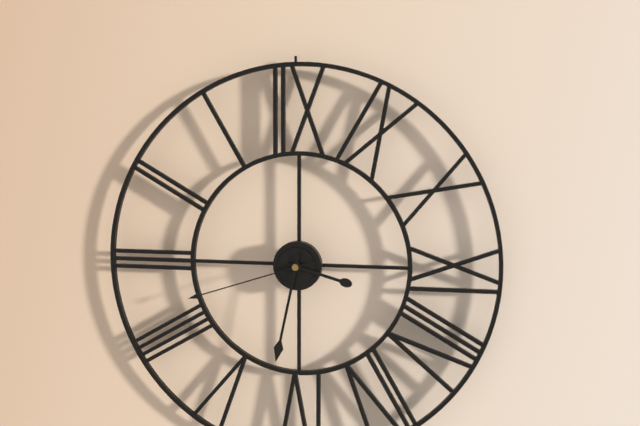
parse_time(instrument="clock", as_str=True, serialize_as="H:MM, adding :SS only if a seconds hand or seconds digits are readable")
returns 3:32:42
